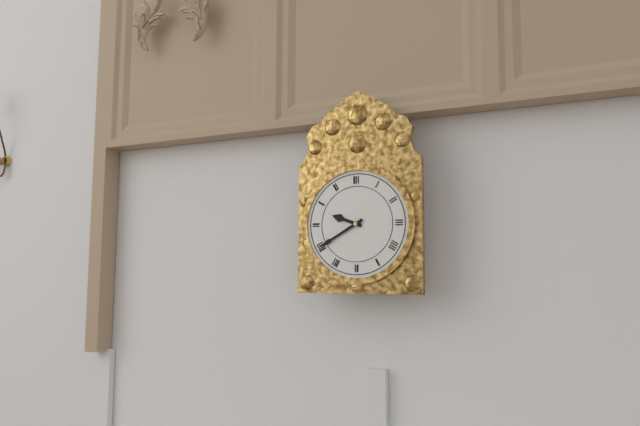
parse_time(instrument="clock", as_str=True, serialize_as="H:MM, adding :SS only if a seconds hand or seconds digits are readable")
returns 9:40
